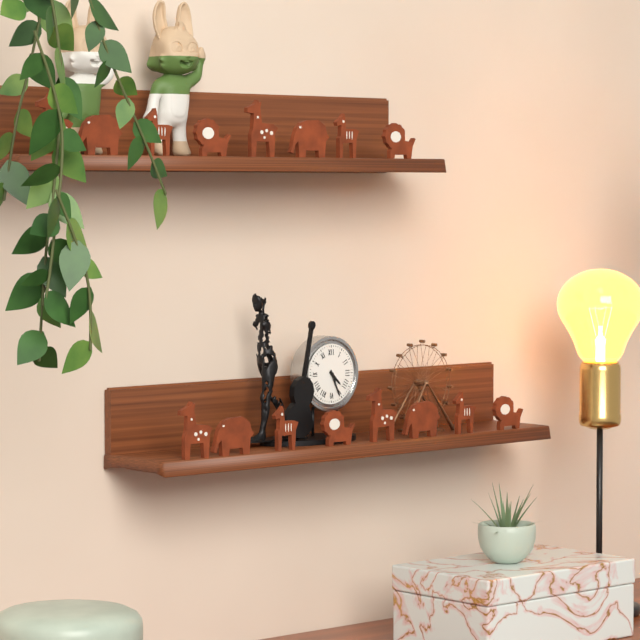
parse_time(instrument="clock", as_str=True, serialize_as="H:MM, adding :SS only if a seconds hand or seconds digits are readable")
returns 4:26
